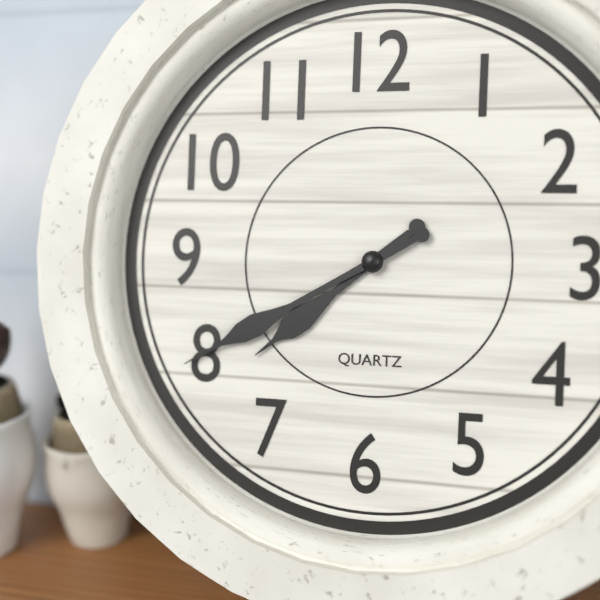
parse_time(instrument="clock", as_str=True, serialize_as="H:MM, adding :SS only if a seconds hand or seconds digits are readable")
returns 7:40
